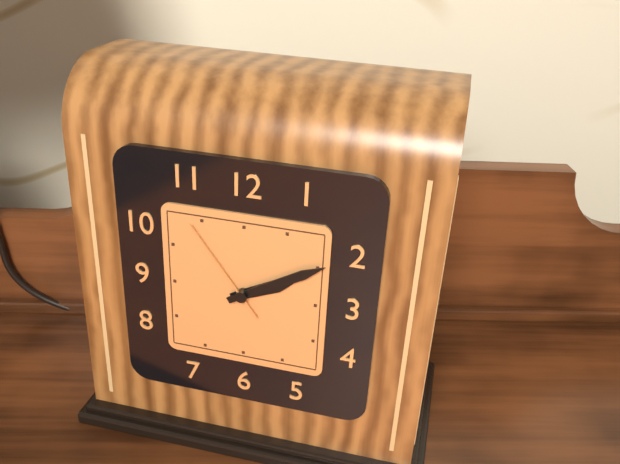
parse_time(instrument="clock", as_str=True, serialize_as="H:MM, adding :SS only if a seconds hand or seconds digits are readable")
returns 2:10:54
